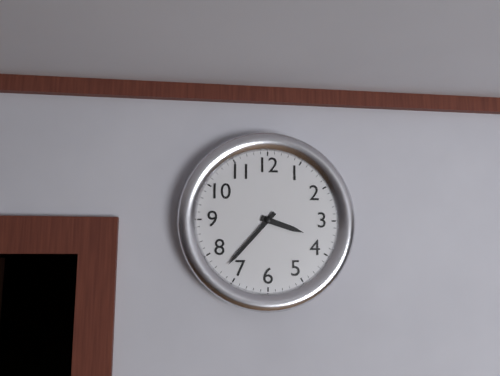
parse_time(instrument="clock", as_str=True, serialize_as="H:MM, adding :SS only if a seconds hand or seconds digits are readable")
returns 3:37
